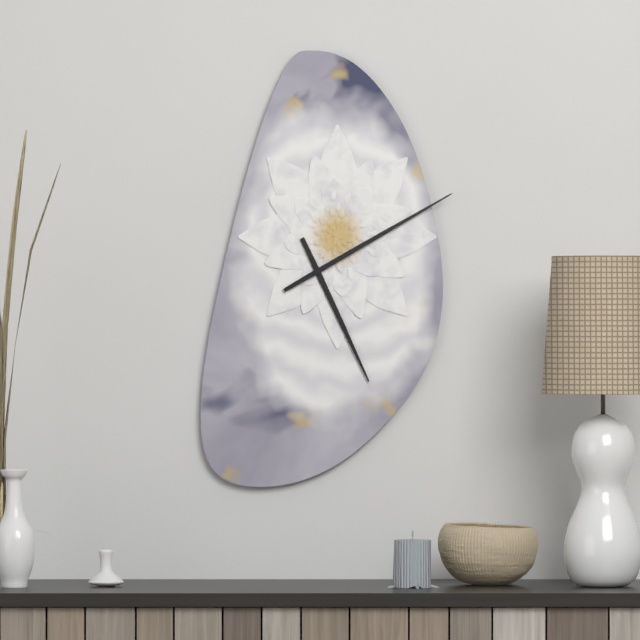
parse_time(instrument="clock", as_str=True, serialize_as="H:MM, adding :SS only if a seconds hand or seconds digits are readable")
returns 5:10
